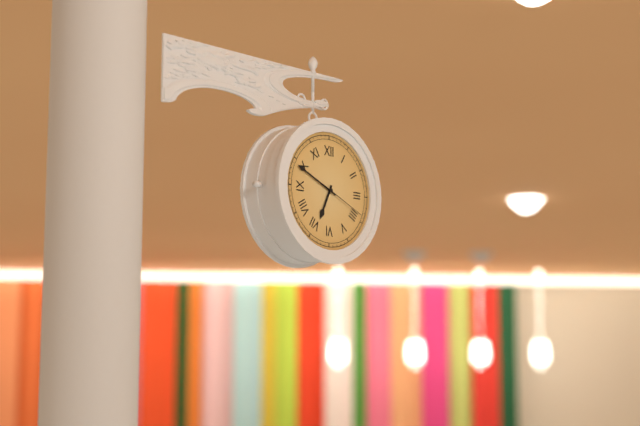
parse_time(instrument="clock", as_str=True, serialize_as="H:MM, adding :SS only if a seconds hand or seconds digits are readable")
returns 6:49:19
